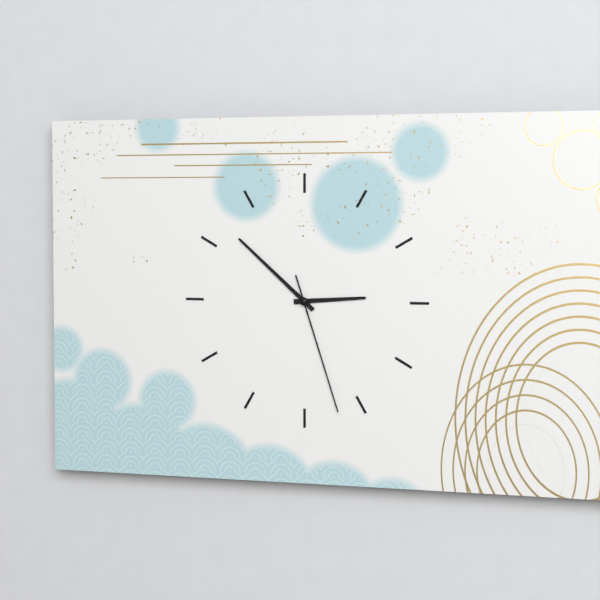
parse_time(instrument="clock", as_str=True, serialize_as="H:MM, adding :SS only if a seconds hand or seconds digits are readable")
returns 2:52:27
